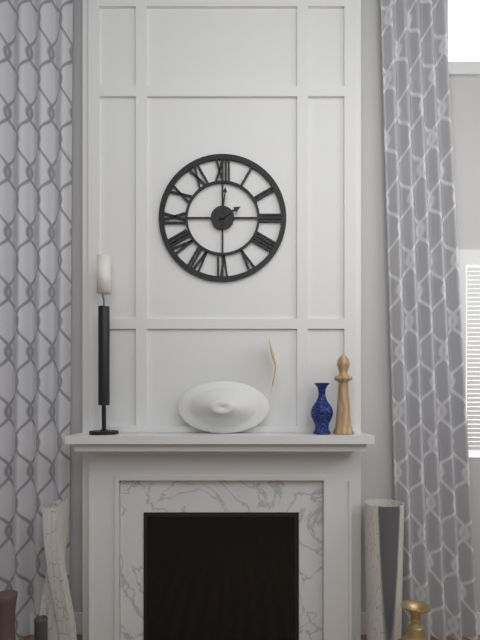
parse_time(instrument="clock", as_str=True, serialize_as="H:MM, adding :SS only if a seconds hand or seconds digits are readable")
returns 2:01
